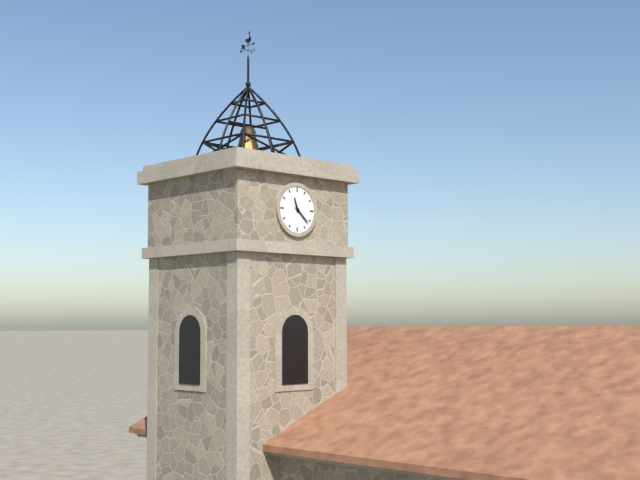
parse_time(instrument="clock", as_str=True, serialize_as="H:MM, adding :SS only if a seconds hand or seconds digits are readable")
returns 11:22
